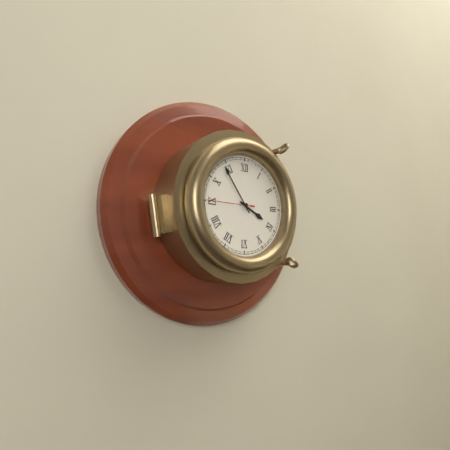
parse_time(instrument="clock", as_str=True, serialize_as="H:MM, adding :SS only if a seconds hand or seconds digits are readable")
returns 3:54
